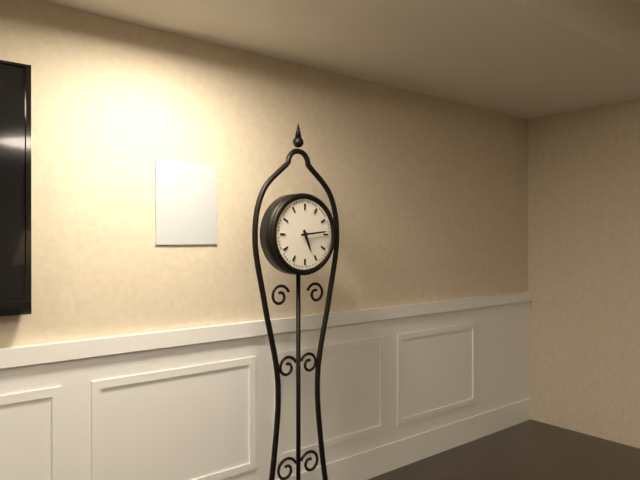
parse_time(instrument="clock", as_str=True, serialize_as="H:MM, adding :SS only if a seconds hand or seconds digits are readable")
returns 5:14
